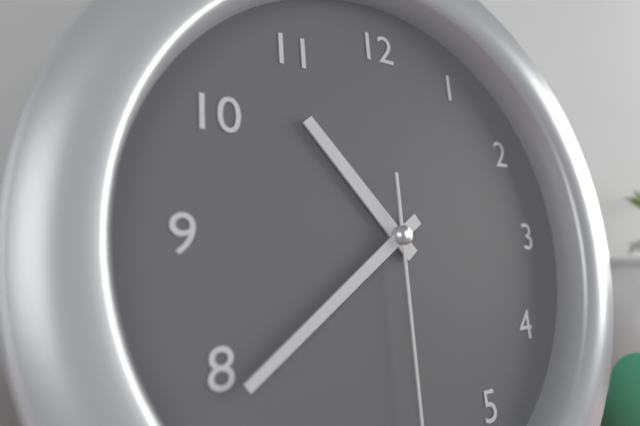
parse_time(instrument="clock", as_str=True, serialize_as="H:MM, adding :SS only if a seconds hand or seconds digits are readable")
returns 10:39
